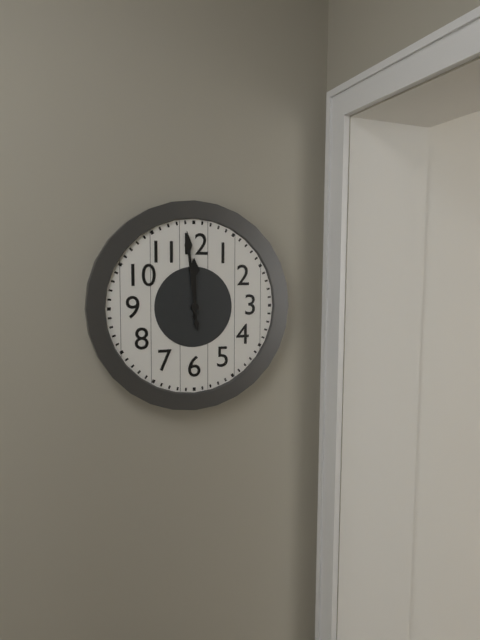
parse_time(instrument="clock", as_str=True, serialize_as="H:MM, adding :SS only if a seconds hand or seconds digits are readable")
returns 11:59
